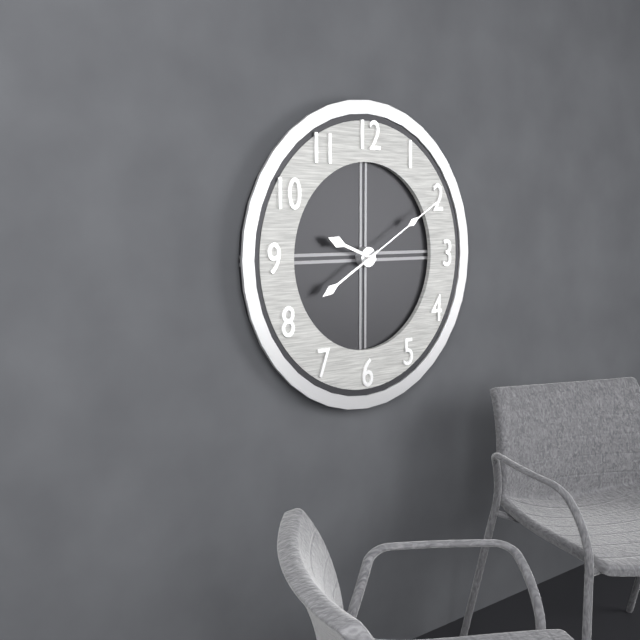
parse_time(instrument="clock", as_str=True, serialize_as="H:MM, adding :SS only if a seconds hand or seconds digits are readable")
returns 9:40:10
